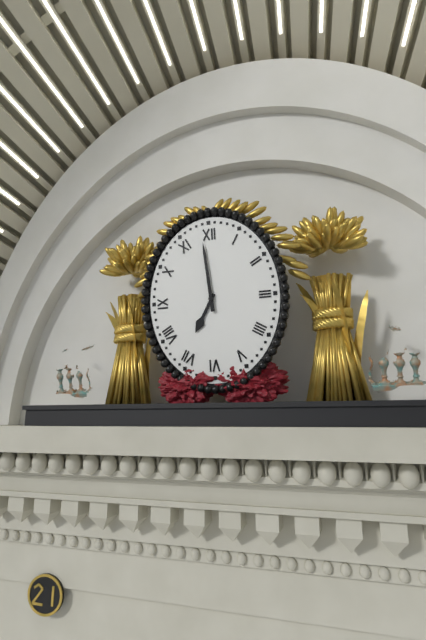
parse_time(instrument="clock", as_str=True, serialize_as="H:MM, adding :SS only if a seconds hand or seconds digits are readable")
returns 6:59
